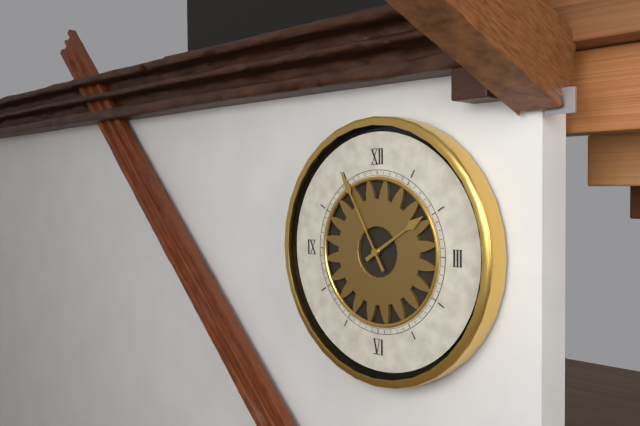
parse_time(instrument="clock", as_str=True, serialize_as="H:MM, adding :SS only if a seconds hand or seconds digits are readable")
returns 1:55
